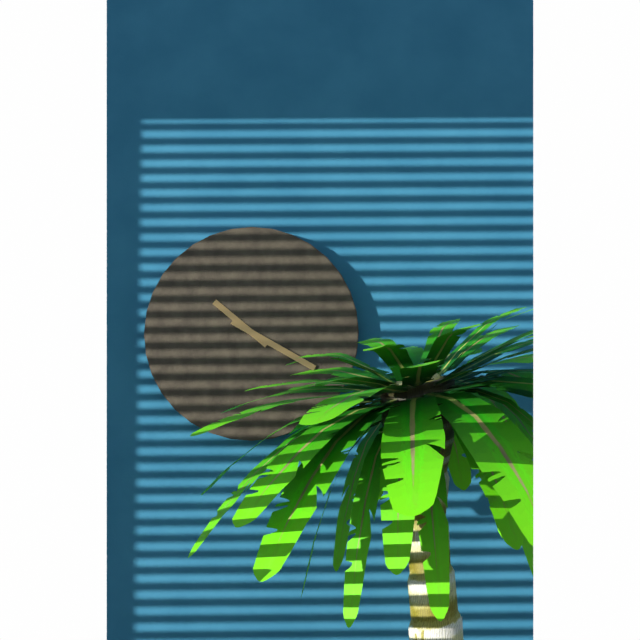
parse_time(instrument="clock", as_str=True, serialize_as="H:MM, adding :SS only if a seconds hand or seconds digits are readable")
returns 10:20
